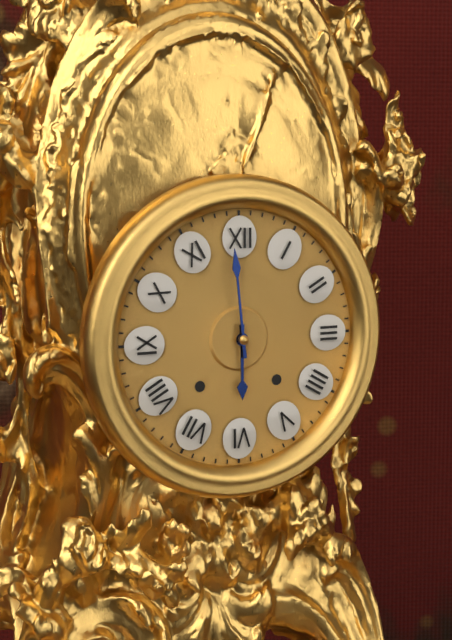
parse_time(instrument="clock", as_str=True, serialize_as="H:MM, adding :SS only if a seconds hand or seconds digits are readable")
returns 5:59
